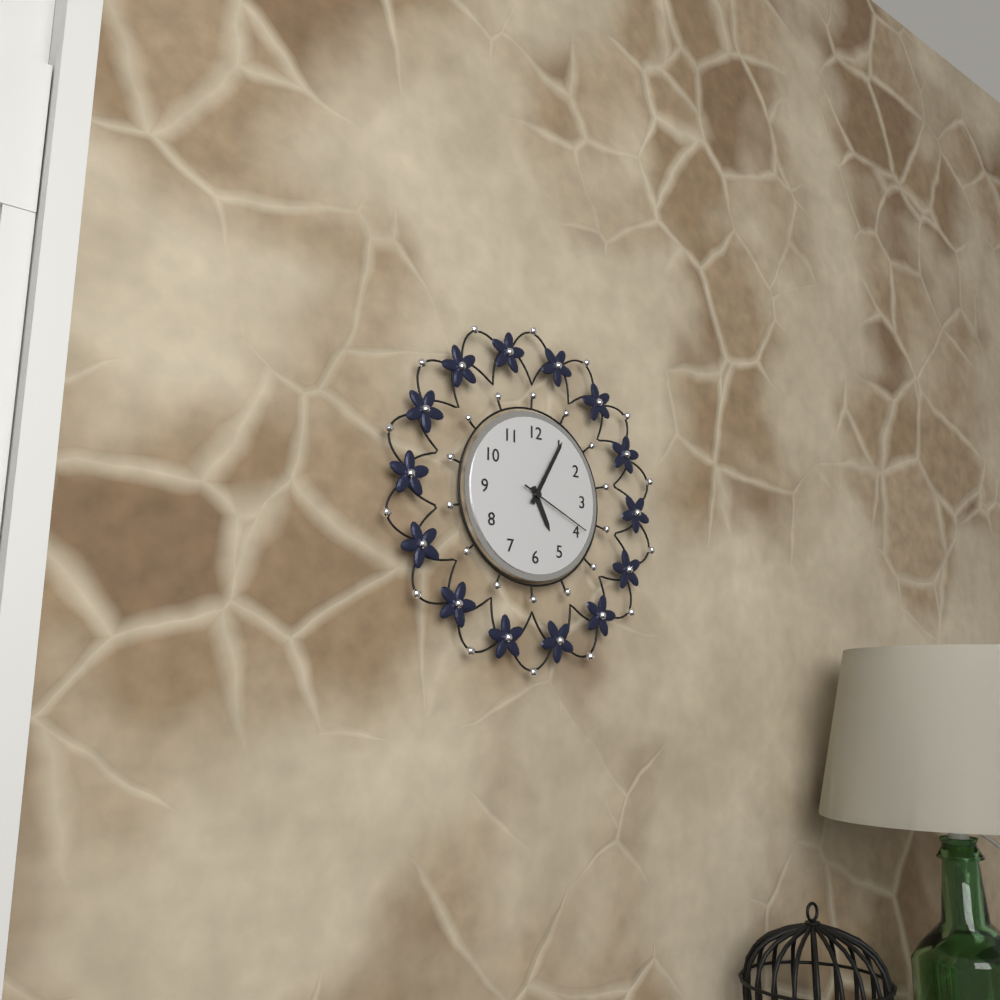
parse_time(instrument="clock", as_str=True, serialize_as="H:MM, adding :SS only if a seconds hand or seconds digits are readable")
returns 5:05:19
